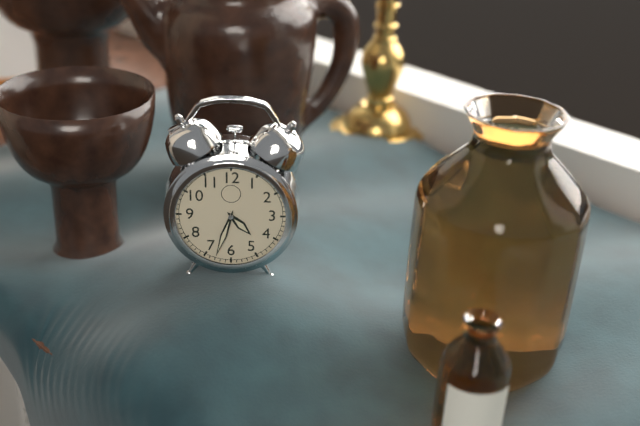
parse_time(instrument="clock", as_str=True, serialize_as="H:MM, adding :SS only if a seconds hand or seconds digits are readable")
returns 4:33
